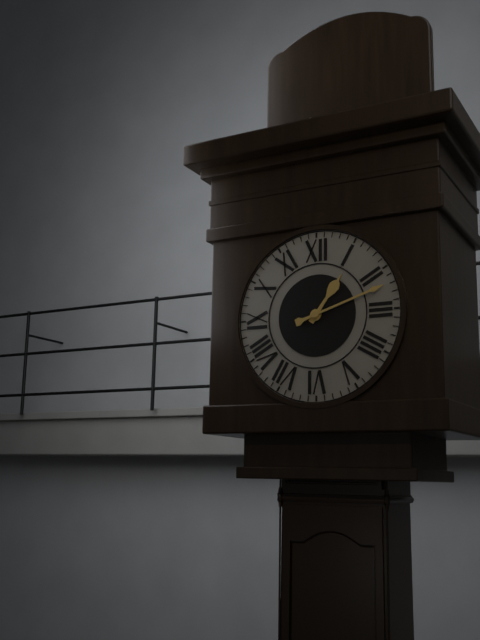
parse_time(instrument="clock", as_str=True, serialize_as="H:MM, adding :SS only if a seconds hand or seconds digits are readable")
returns 1:12
